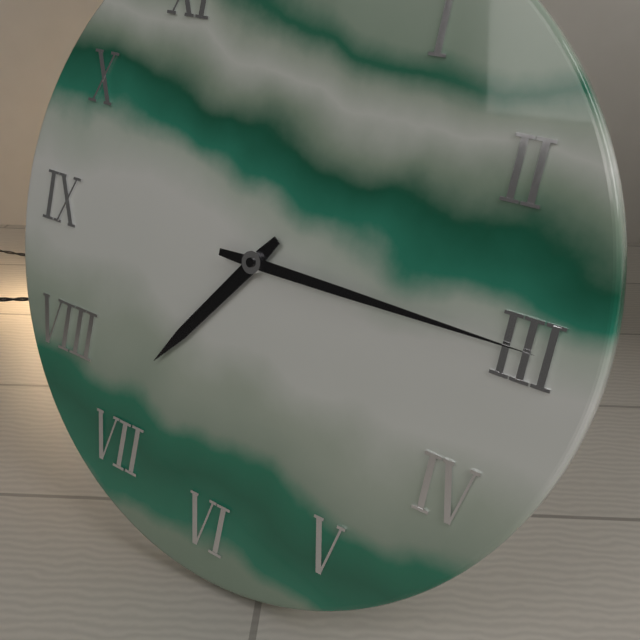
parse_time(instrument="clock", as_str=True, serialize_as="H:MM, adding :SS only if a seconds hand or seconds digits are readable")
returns 7:15
